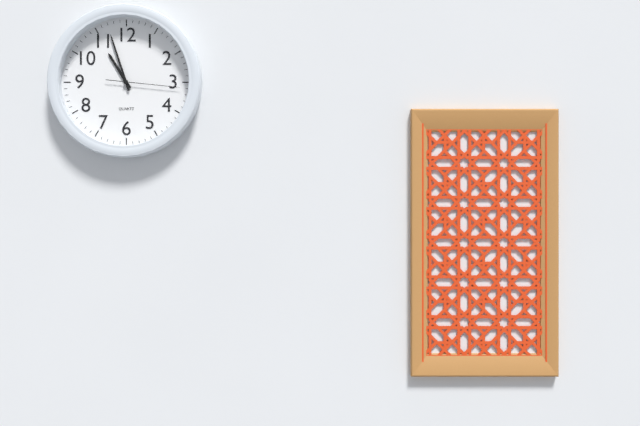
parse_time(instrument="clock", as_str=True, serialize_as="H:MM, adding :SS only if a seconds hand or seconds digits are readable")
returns 10:57:16
